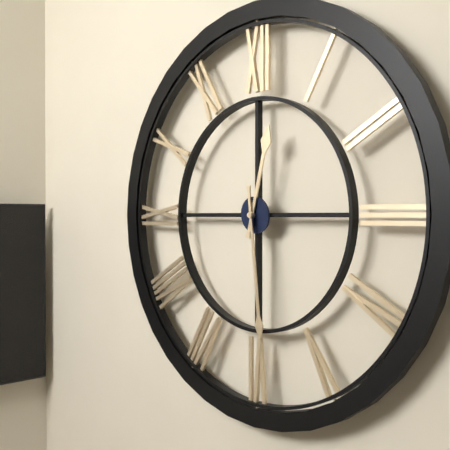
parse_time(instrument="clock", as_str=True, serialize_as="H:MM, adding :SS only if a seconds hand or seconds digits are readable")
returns 12:29
